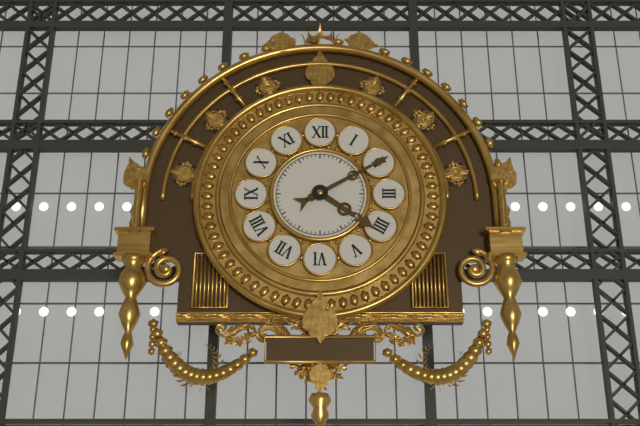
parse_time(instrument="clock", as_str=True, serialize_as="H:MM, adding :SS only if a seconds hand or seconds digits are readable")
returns 4:10
